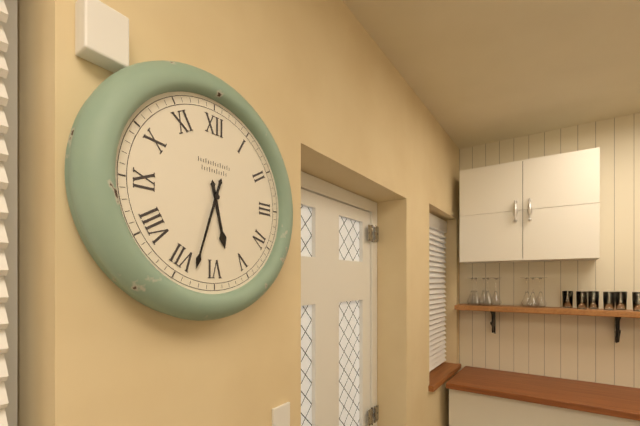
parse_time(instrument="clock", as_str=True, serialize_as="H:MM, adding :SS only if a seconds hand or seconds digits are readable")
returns 5:33
